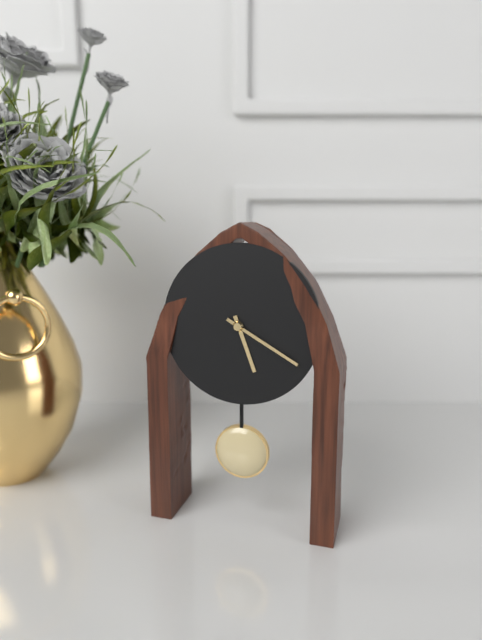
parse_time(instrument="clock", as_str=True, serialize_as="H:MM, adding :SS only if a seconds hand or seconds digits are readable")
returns 5:20
